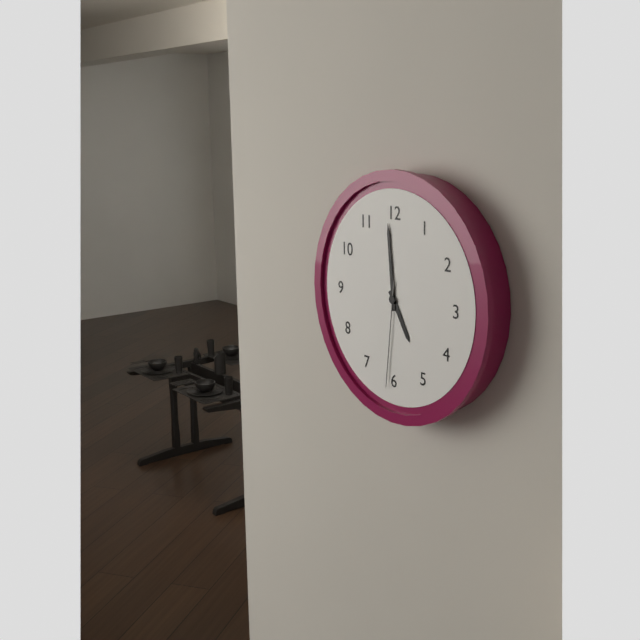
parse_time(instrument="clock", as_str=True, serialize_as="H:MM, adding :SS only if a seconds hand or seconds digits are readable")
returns 4:59:31
